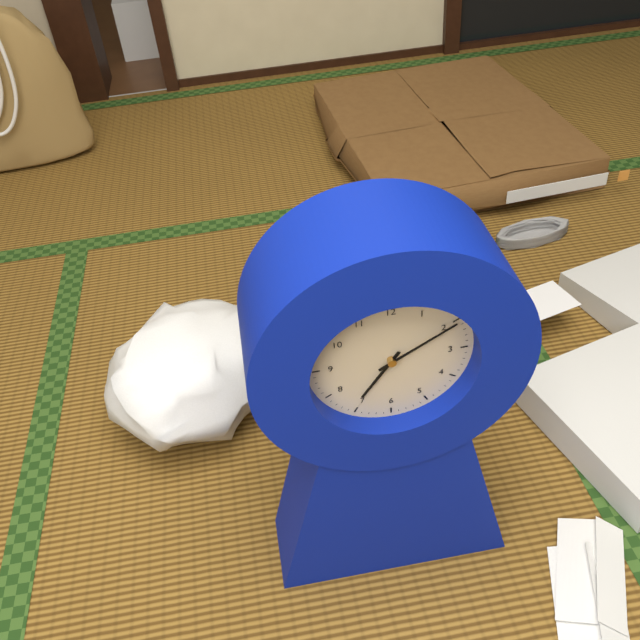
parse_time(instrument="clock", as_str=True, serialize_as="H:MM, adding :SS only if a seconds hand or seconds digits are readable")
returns 7:10
